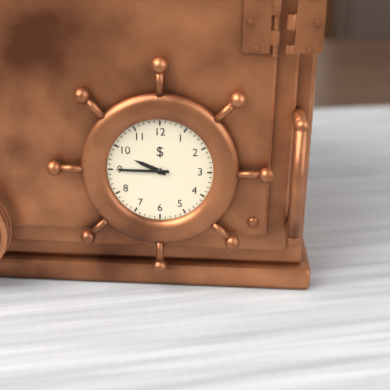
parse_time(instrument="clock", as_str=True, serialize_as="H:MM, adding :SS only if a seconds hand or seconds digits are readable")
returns 9:45
